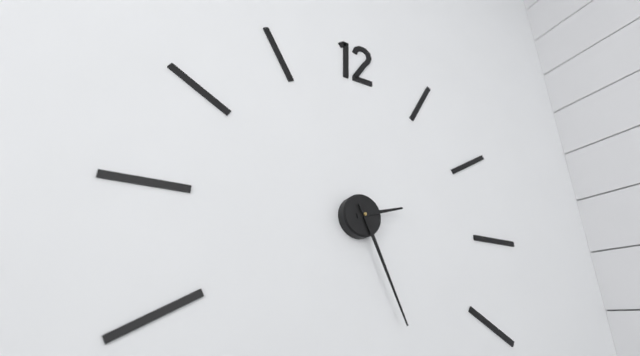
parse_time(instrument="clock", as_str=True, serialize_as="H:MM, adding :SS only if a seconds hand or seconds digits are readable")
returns 2:26
